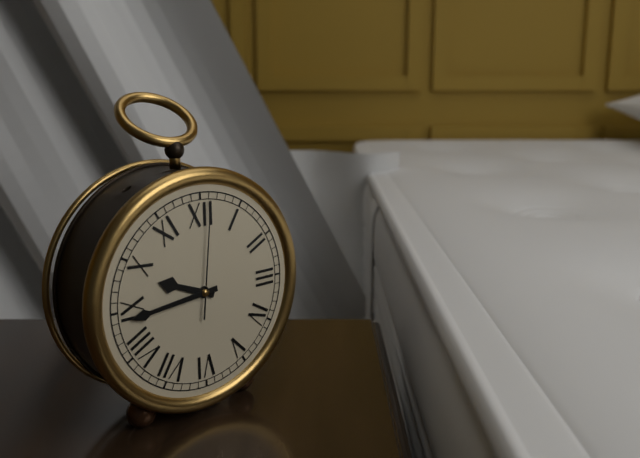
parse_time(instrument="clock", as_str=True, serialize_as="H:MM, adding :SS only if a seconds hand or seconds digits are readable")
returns 9:44:01
